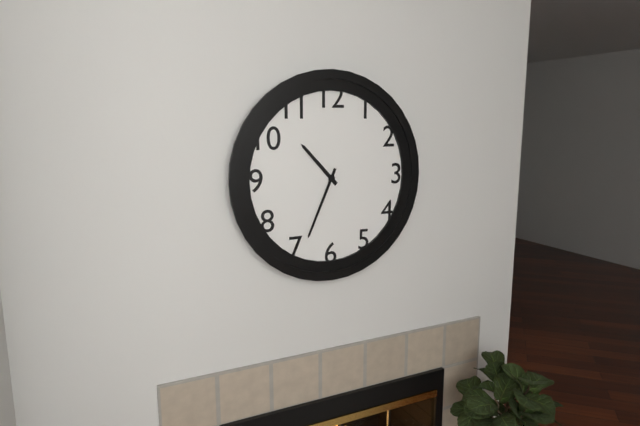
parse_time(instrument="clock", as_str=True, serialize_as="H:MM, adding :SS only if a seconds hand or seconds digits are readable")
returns 10:34
